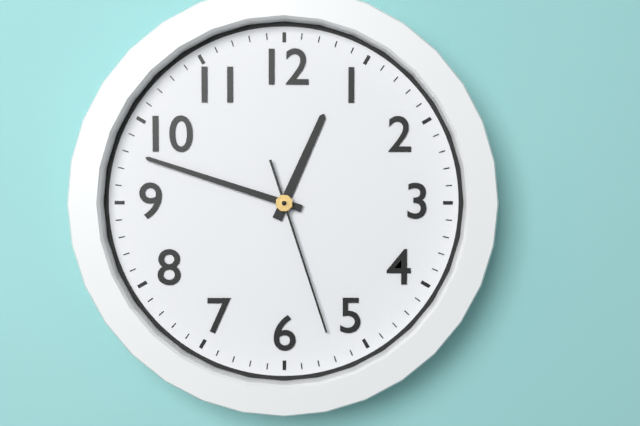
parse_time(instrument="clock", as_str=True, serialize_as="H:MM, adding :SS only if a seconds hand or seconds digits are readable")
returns 12:48:27
